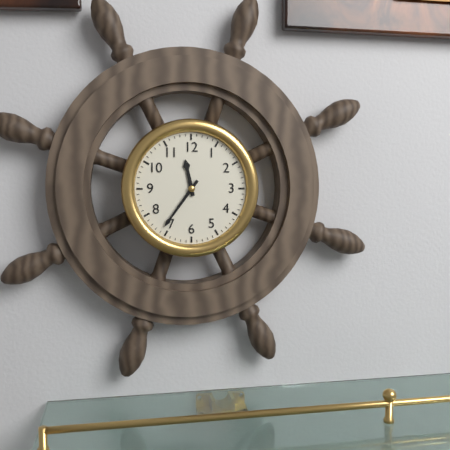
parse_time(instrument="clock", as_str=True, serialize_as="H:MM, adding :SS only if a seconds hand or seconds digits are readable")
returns 11:36
